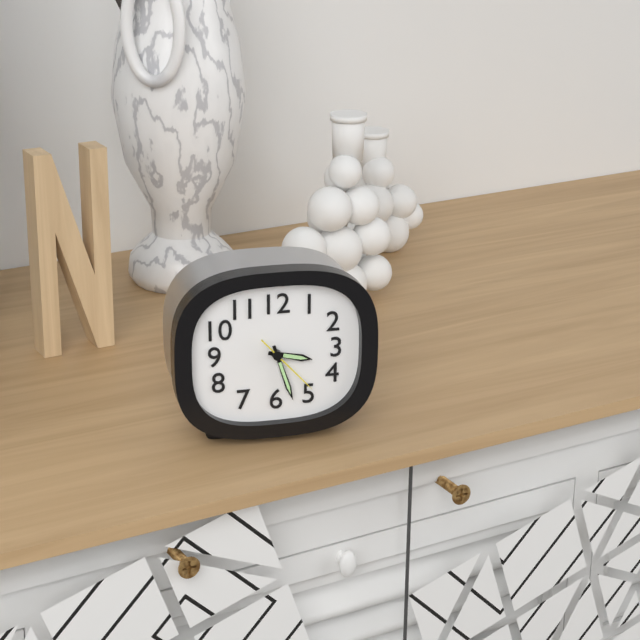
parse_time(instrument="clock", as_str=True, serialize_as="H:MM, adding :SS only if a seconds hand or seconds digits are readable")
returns 3:27:23
